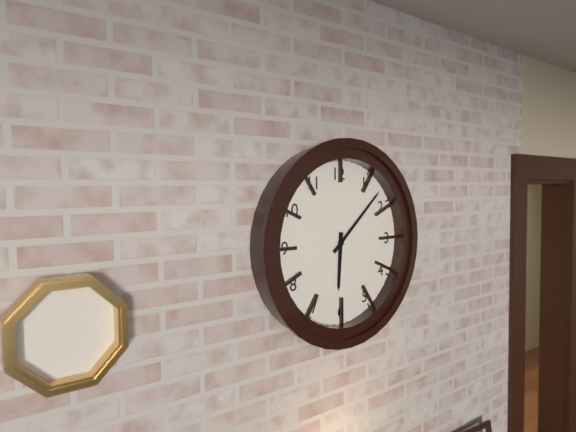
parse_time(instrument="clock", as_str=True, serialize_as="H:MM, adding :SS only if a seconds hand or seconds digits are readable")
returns 6:08
